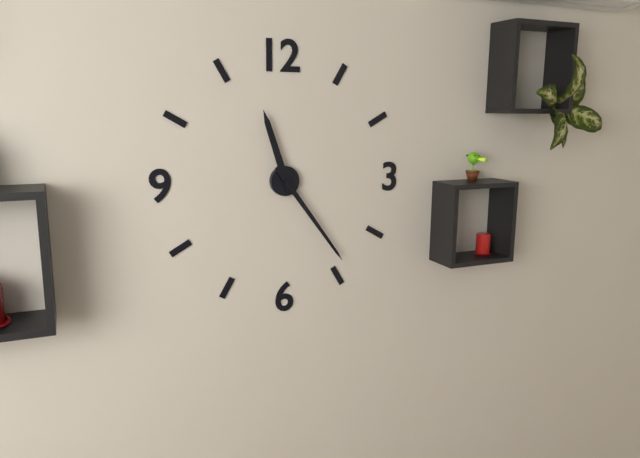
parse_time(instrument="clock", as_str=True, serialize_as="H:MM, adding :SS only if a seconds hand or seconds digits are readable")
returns 11:24
